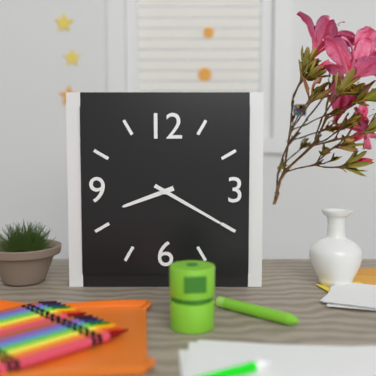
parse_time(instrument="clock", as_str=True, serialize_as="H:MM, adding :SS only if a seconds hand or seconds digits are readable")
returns 8:20
